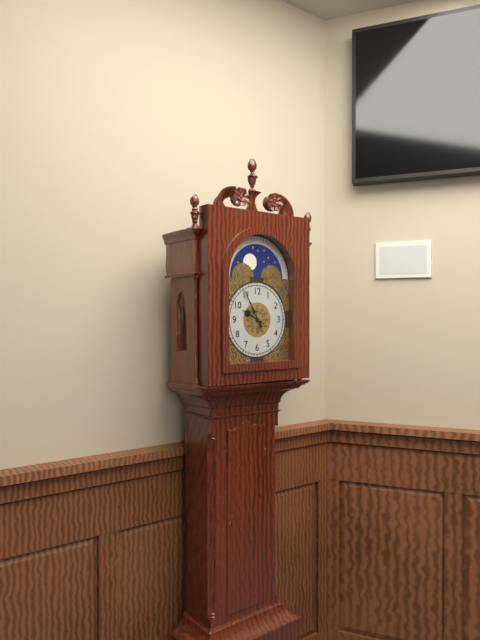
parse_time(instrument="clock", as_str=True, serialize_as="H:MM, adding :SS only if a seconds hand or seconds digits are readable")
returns 9:55
